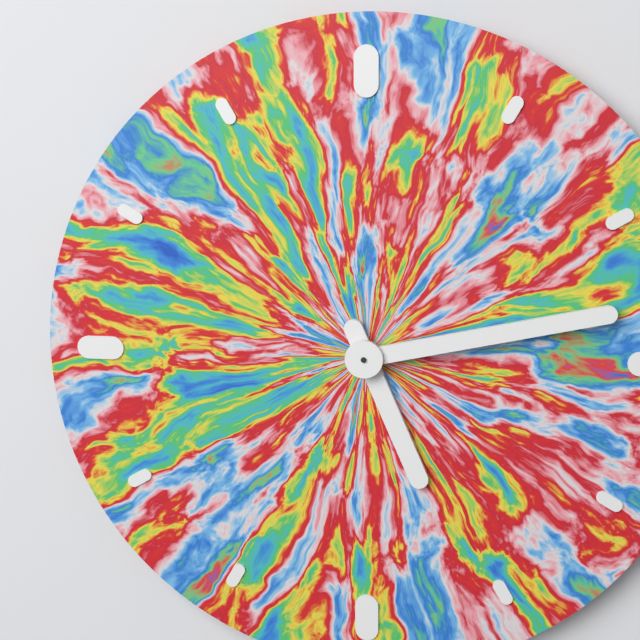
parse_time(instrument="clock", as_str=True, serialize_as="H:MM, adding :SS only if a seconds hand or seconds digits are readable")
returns 5:13
